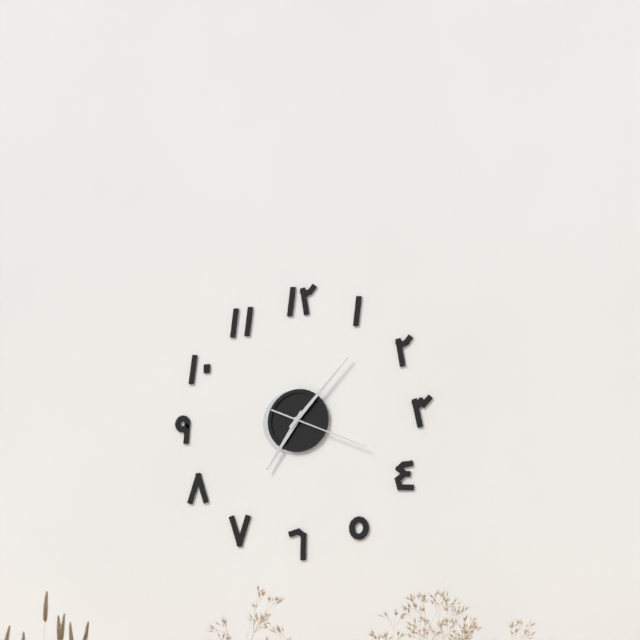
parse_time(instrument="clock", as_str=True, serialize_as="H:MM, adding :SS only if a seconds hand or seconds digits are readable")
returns 7:07:19
